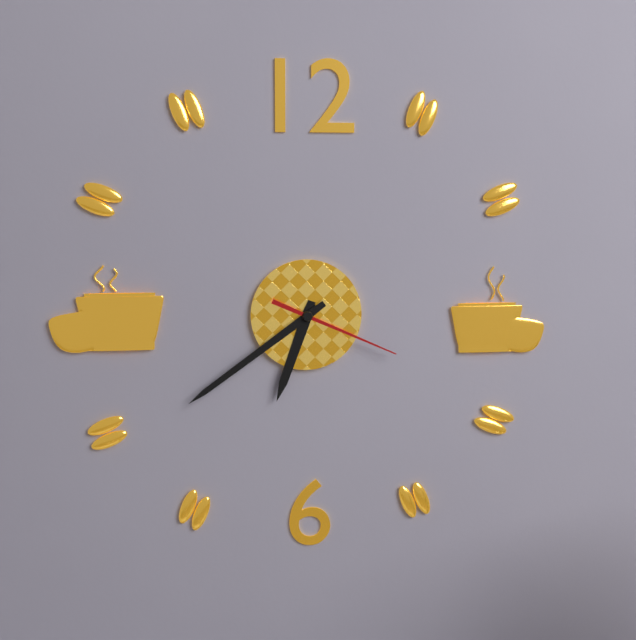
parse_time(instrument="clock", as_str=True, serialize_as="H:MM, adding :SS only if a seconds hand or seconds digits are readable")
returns 6:39:19
